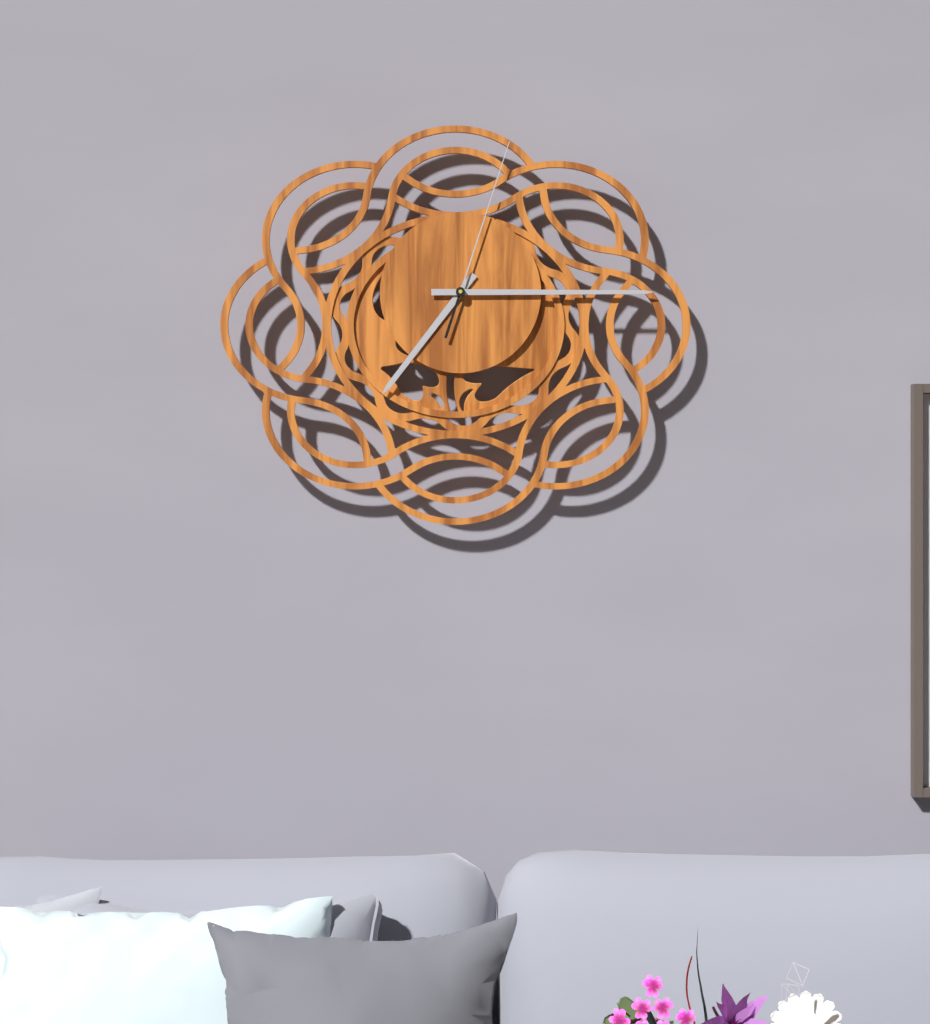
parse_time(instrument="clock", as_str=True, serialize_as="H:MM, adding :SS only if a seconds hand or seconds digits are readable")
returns 7:15:03
